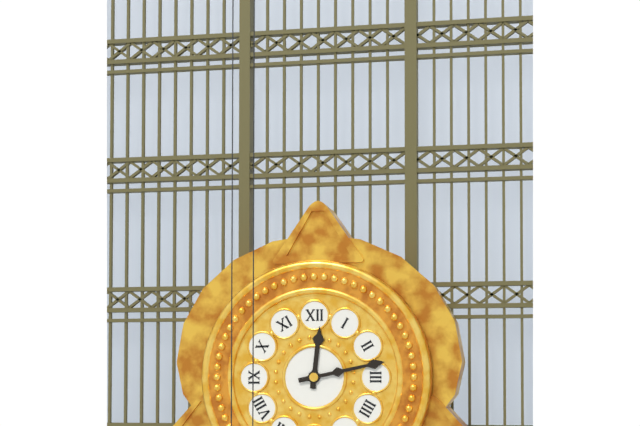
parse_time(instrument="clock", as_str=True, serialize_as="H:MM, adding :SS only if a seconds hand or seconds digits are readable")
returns 12:13
